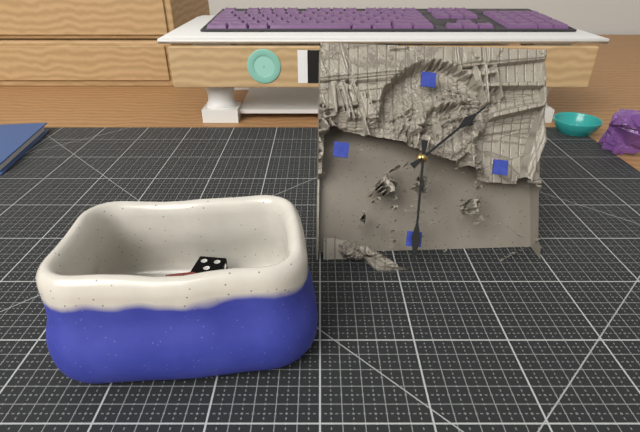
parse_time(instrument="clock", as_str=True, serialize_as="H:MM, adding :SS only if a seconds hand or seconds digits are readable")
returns 1:30
